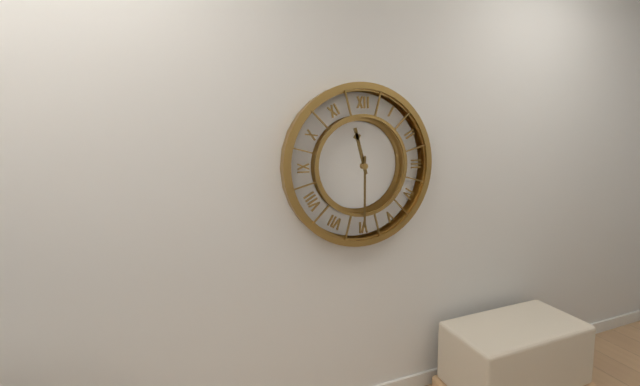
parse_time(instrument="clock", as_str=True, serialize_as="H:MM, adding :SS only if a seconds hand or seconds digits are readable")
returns 11:30
